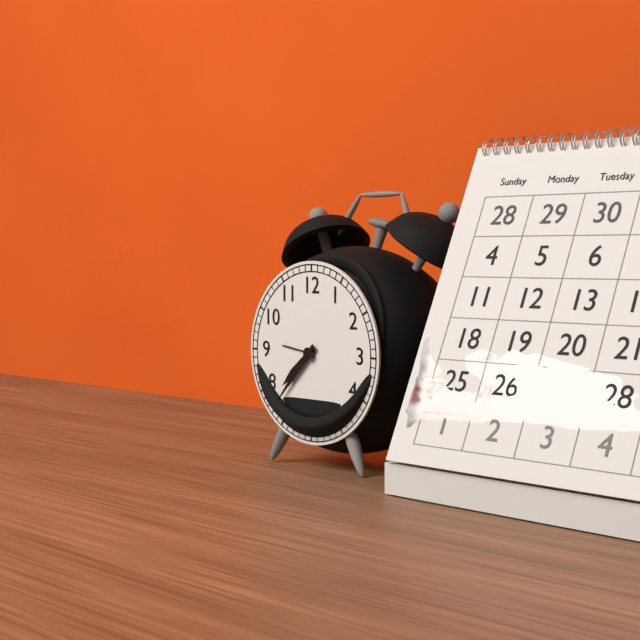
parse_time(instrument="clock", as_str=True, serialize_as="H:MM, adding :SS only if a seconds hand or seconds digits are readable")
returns 7:37
